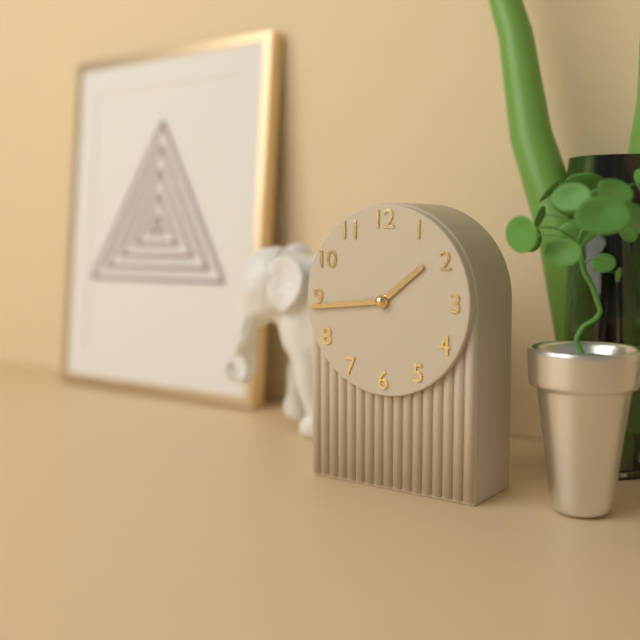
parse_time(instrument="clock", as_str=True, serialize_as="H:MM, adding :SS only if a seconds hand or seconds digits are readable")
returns 1:44
